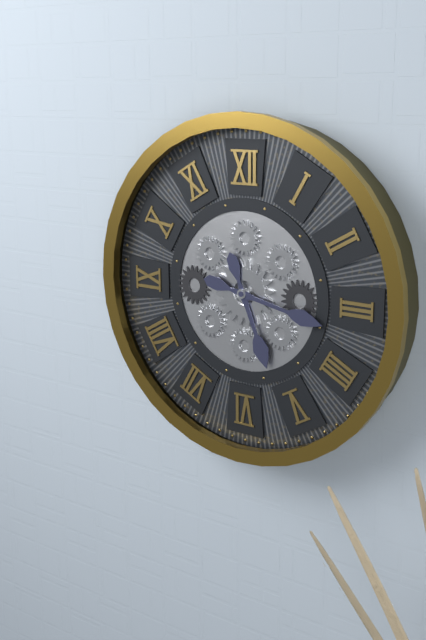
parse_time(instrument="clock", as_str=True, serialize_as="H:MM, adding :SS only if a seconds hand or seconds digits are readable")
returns 5:17
